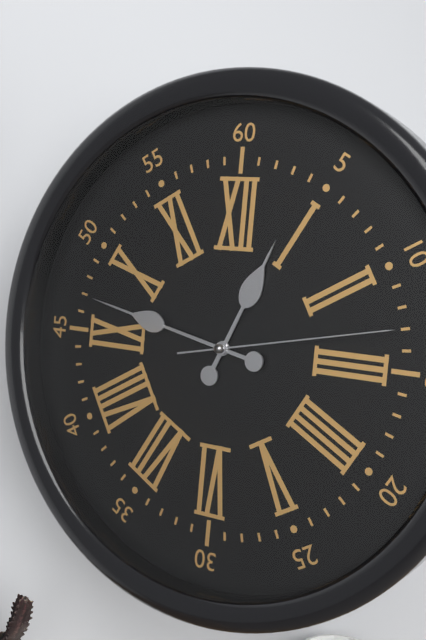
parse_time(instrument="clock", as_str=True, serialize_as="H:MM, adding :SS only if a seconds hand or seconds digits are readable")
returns 12:47:13
